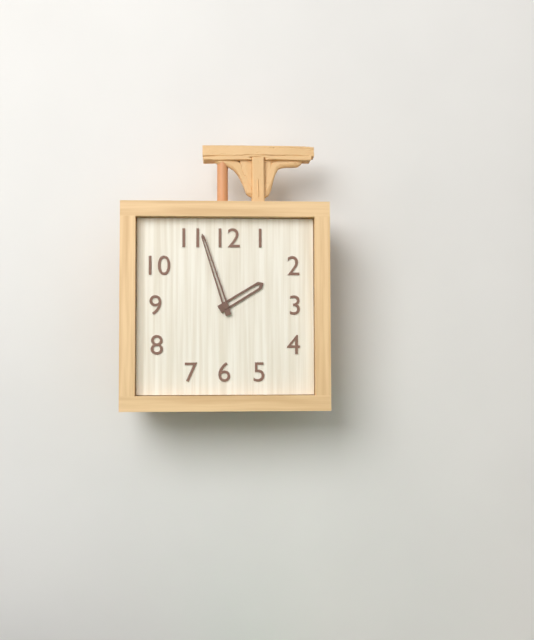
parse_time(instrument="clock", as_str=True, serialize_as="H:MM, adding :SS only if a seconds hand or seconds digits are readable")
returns 1:57
